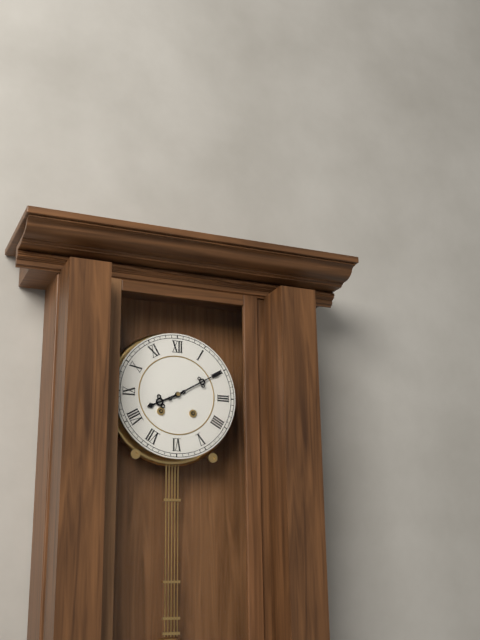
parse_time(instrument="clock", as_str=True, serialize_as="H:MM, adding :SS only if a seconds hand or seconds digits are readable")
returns 8:10
